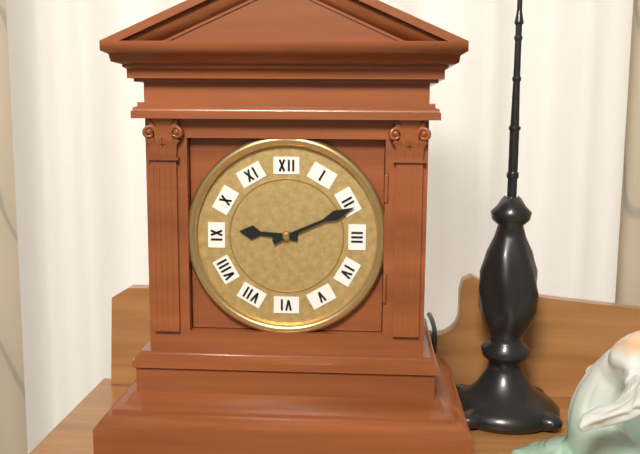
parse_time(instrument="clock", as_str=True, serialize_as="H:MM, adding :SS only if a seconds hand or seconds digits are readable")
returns 9:11
